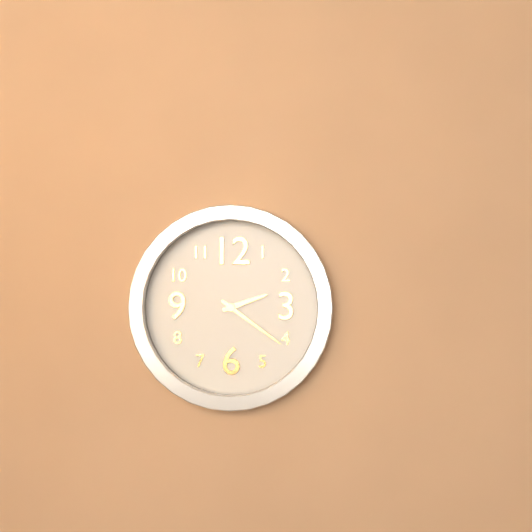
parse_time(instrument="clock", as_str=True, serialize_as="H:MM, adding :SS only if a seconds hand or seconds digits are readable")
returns 2:21
